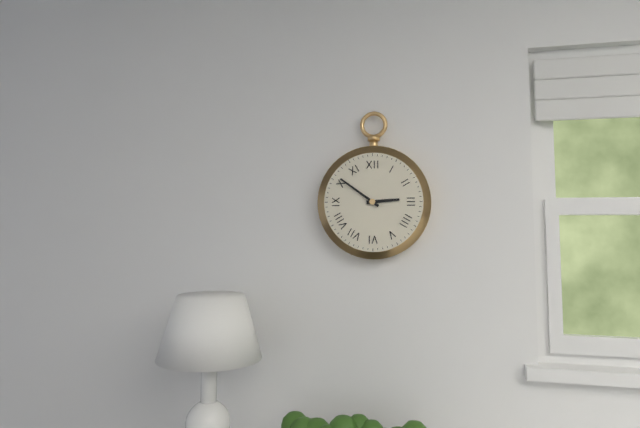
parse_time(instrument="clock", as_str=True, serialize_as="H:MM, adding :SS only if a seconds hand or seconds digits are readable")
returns 2:51
